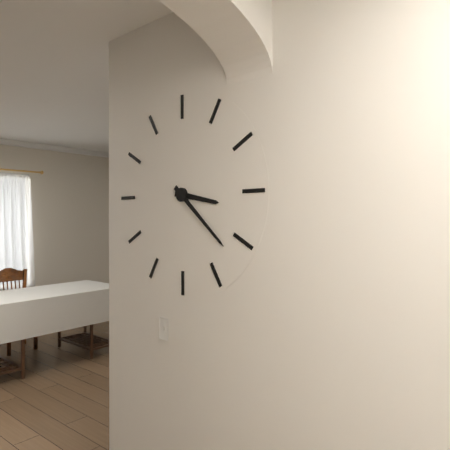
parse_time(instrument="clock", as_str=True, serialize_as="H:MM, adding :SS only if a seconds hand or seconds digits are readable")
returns 3:22
